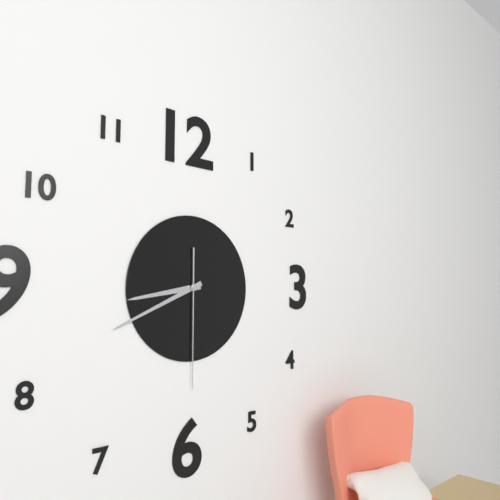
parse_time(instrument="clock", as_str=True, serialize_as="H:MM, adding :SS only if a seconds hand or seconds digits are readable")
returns 8:41:30
